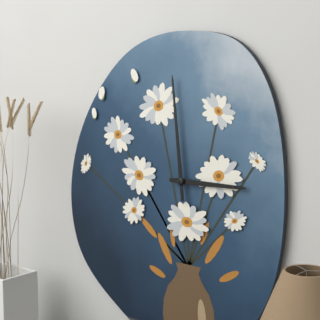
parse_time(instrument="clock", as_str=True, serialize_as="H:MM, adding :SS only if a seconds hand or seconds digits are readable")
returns 2:59
